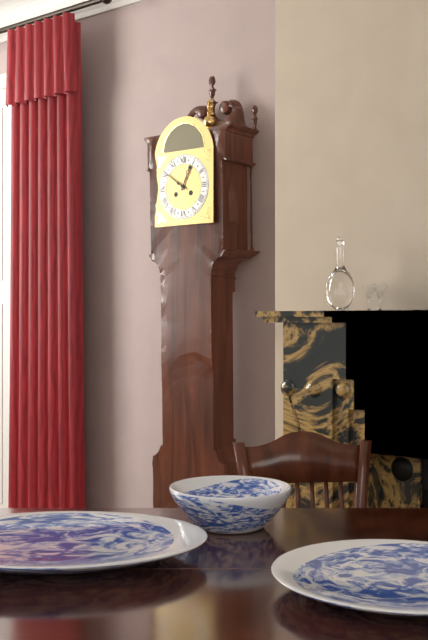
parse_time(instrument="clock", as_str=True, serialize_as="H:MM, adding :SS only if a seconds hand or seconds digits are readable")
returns 12:51
